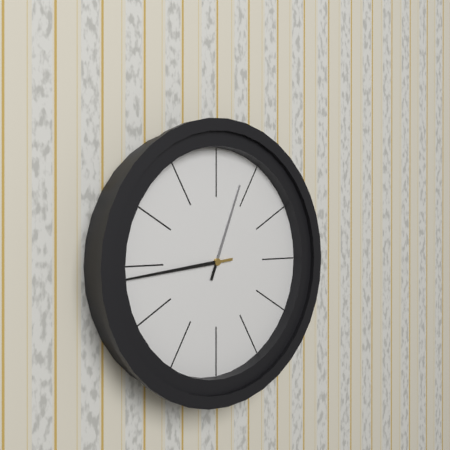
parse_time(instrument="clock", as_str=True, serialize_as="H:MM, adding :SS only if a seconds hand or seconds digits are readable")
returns 12:44
